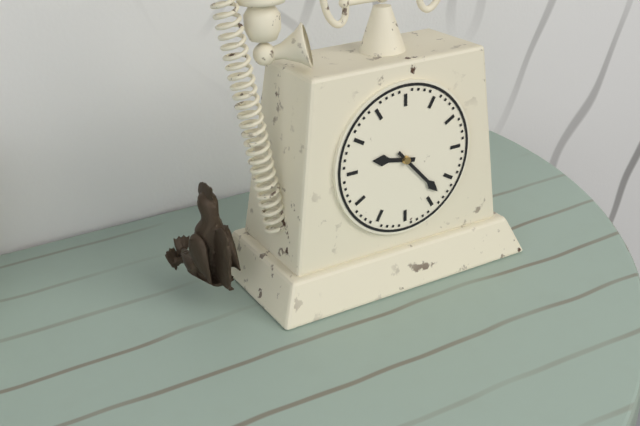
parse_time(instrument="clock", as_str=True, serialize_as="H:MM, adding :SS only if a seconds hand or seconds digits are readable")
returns 9:23
